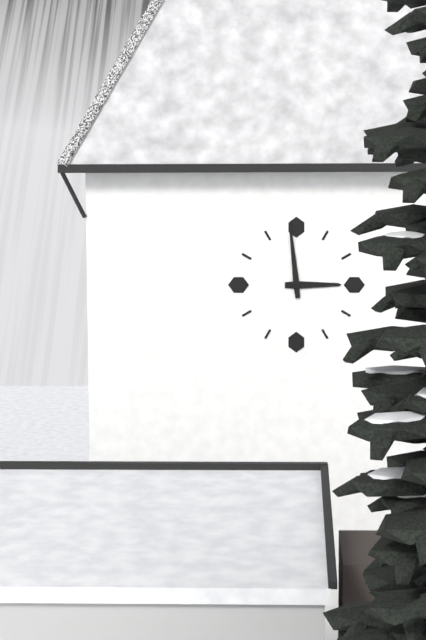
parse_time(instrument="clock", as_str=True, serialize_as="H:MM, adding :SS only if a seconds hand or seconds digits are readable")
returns 2:59
